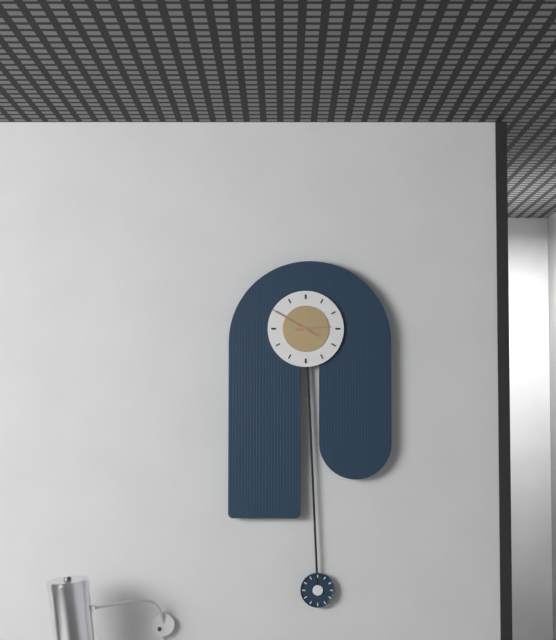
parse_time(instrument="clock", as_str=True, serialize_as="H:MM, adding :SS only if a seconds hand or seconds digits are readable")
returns 2:50
